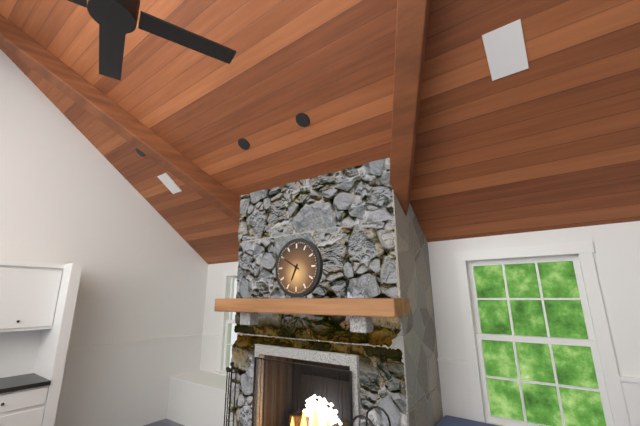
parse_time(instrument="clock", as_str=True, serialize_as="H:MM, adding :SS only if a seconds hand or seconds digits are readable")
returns 6:50
